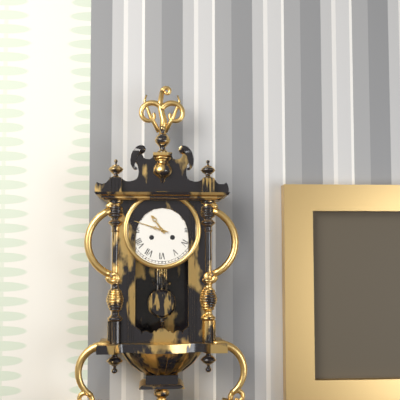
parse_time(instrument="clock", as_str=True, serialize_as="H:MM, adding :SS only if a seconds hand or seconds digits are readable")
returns 10:48
